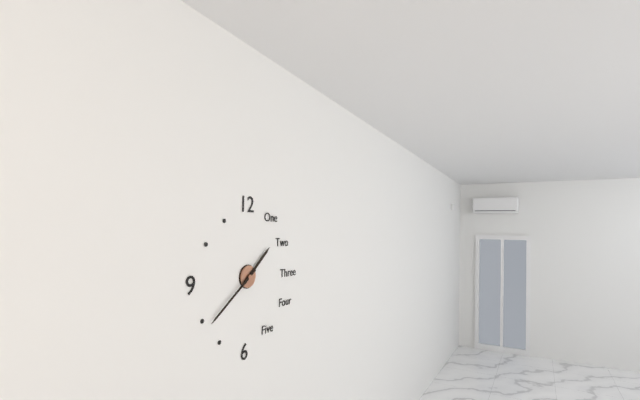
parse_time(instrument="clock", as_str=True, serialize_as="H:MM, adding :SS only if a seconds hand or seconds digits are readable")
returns 1:39
